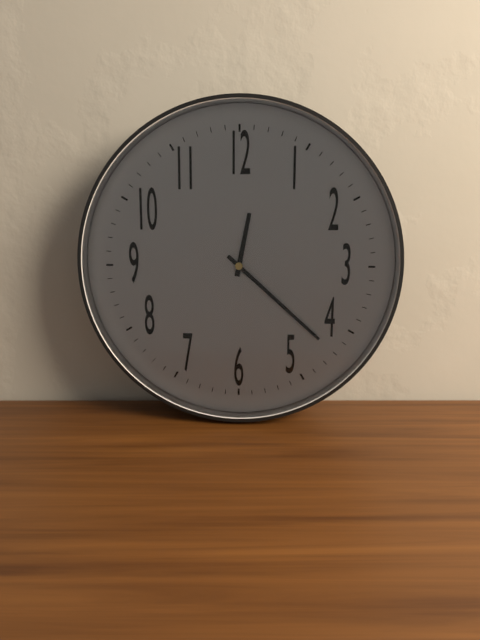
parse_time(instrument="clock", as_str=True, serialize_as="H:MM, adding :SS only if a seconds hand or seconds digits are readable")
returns 12:22
